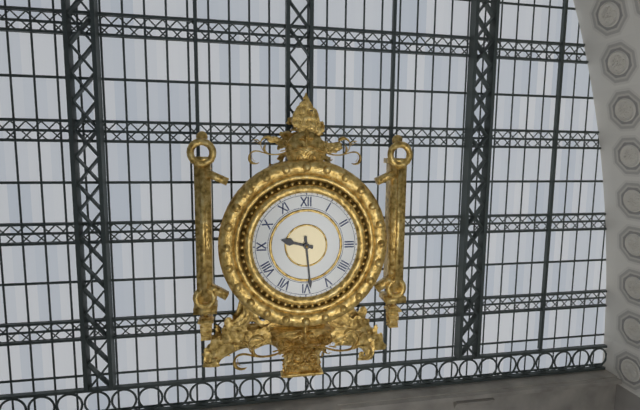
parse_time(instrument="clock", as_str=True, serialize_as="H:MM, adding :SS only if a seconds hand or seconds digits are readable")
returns 9:29
